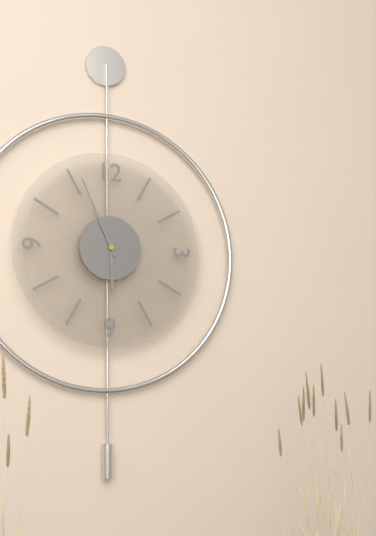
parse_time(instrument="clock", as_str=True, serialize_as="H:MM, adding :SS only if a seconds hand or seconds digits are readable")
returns 5:56
